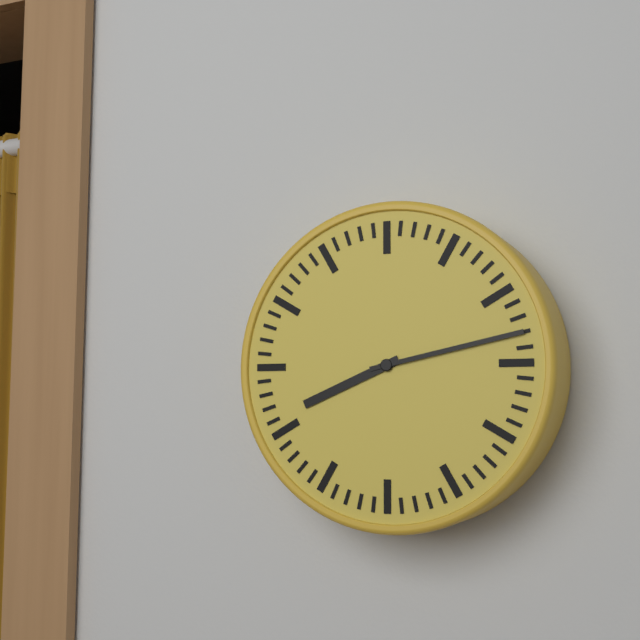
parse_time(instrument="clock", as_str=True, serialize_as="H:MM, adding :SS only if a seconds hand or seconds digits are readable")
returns 8:13
